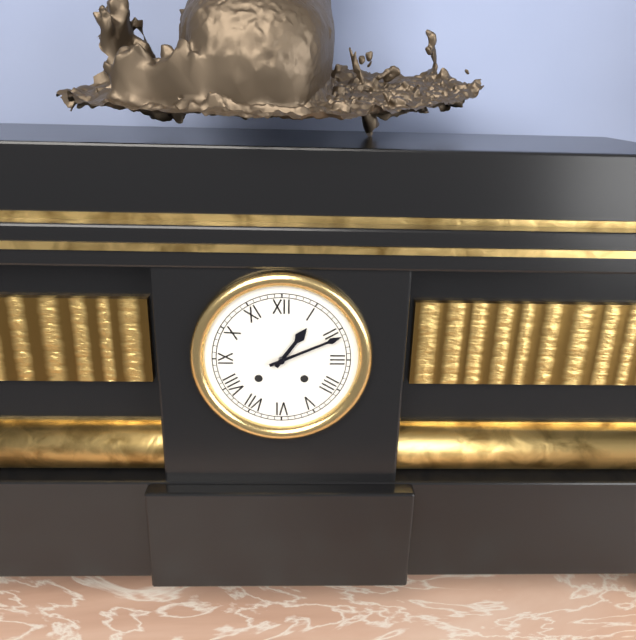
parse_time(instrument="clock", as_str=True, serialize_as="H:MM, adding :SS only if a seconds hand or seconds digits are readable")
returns 1:11
